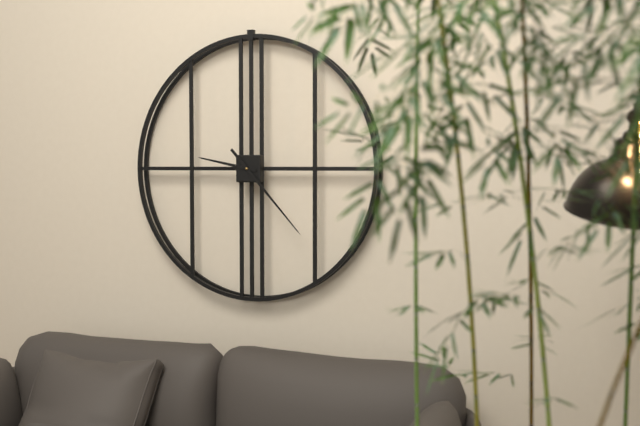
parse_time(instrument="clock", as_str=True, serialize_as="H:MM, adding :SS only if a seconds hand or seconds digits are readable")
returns 9:23
